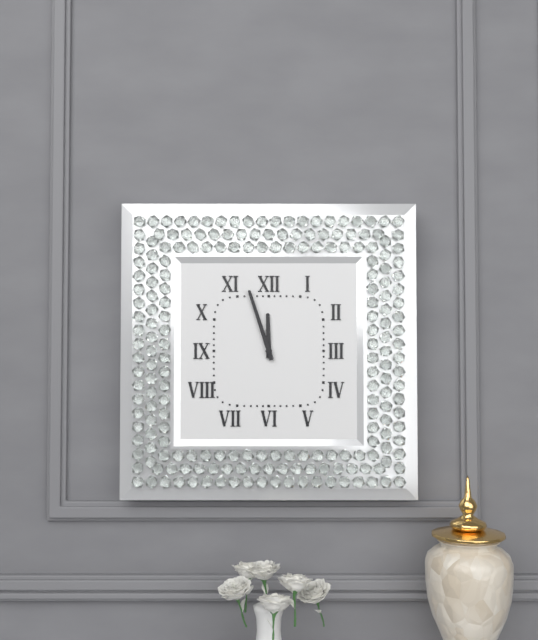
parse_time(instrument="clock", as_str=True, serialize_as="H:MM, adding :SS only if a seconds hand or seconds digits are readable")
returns 11:57
